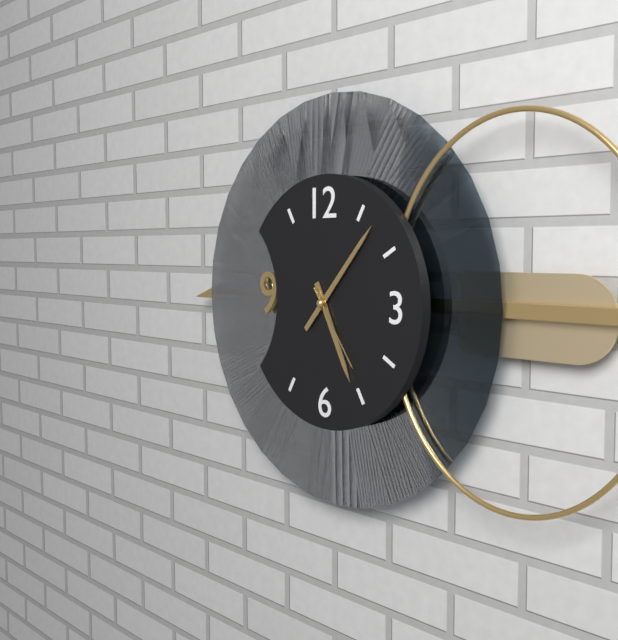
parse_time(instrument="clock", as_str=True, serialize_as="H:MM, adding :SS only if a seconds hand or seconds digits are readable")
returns 5:07:24
